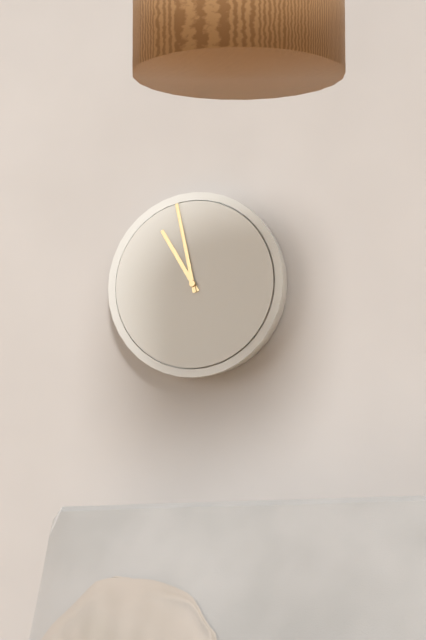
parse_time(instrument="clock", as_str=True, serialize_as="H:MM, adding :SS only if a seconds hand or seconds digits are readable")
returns 10:58
